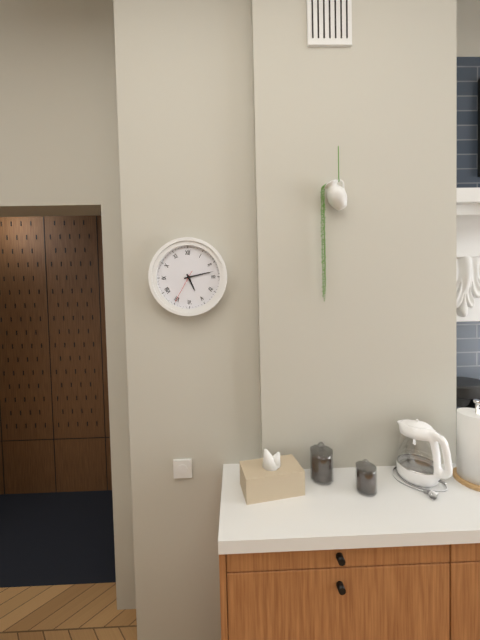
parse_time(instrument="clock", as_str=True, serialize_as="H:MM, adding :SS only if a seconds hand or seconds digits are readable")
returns 5:13
